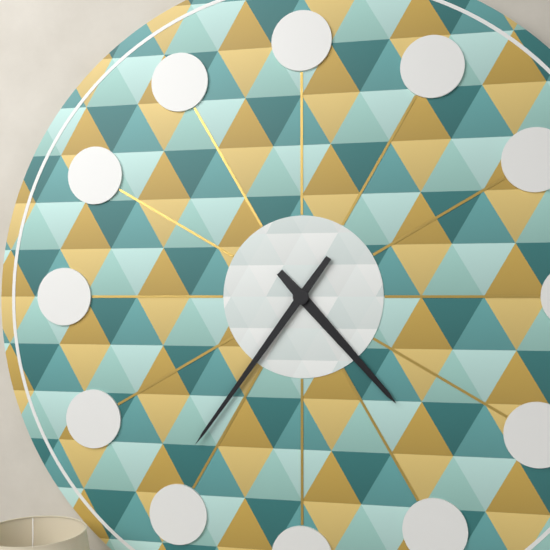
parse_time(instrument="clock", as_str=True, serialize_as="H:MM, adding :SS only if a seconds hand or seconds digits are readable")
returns 4:36
